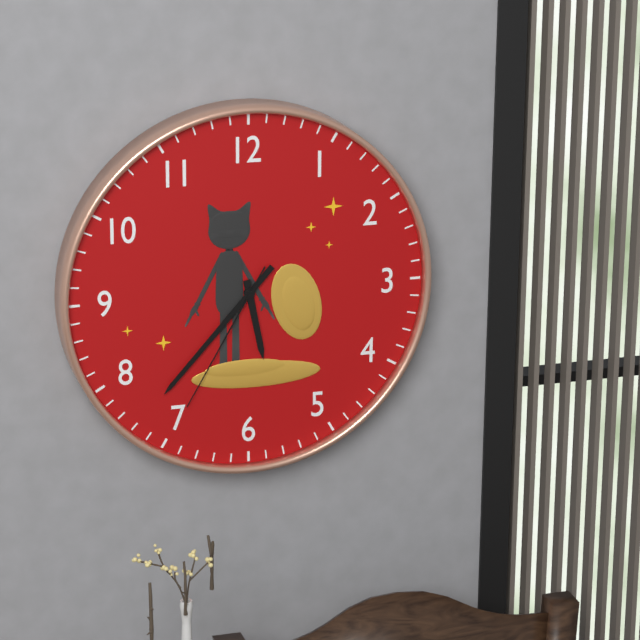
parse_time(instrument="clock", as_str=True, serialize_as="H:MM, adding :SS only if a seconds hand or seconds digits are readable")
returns 5:37:35
